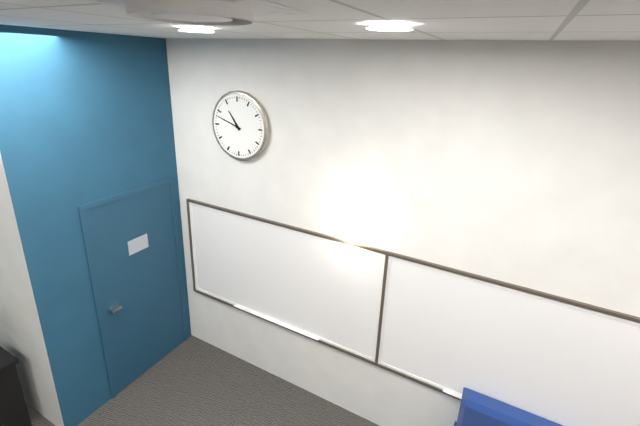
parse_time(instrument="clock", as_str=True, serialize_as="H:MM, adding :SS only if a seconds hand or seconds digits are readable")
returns 10:48
